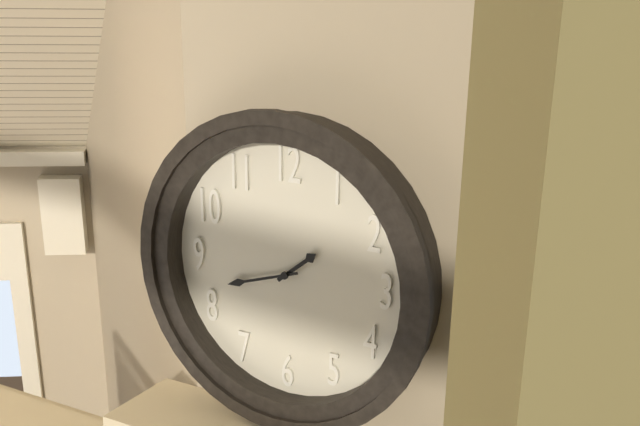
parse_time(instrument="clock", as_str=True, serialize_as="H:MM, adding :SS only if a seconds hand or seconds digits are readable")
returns 1:42
